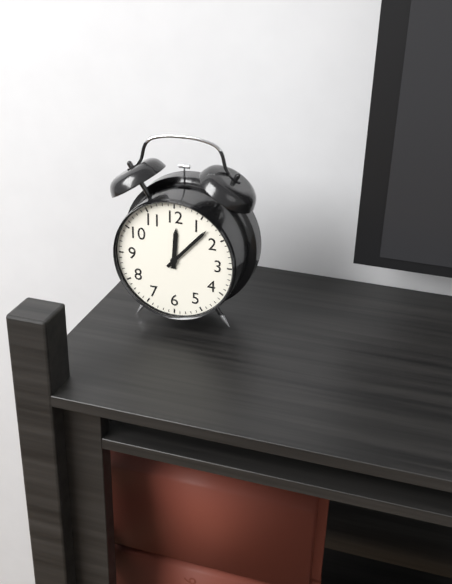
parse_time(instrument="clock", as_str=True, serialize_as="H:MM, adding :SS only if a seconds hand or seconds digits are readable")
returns 12:07
